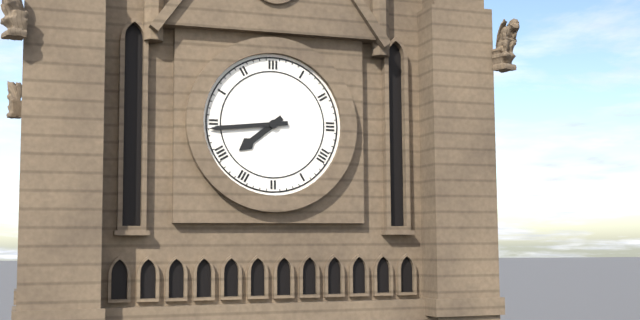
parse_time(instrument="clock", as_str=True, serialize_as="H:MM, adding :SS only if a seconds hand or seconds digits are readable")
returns 7:44
